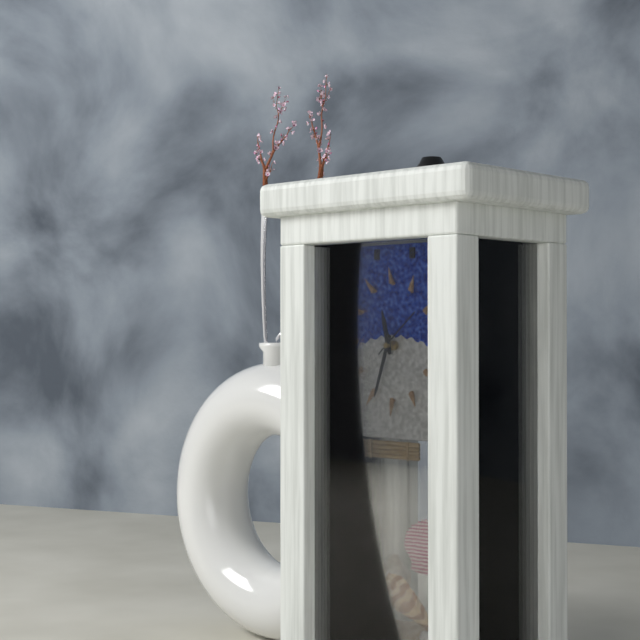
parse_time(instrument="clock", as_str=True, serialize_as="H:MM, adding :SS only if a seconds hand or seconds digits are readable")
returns 11:33:08
